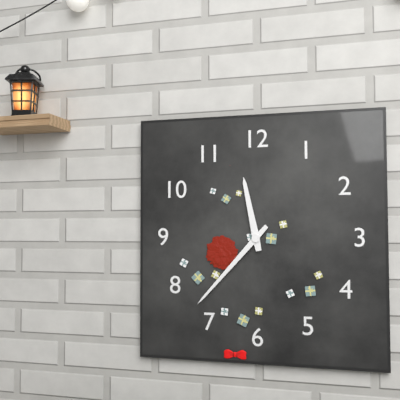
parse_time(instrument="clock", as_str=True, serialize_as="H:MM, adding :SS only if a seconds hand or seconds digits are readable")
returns 11:37
